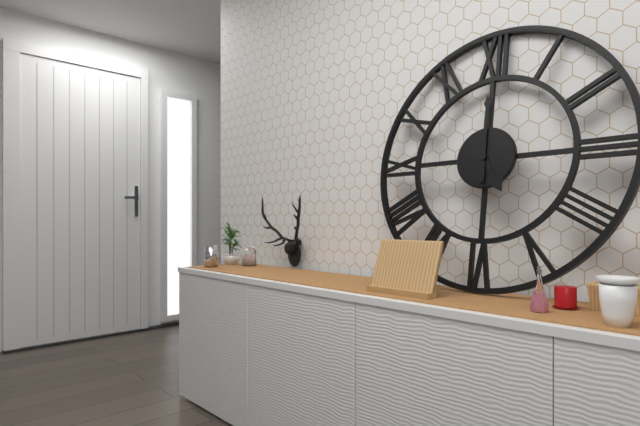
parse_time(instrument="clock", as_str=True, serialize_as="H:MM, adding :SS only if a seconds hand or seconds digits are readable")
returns 5:00
